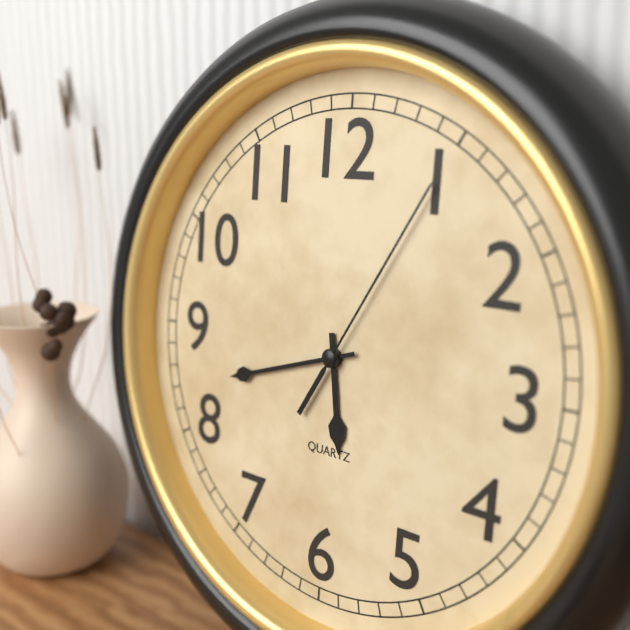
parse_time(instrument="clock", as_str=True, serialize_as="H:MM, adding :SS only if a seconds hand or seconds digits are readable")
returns 5:42:05
